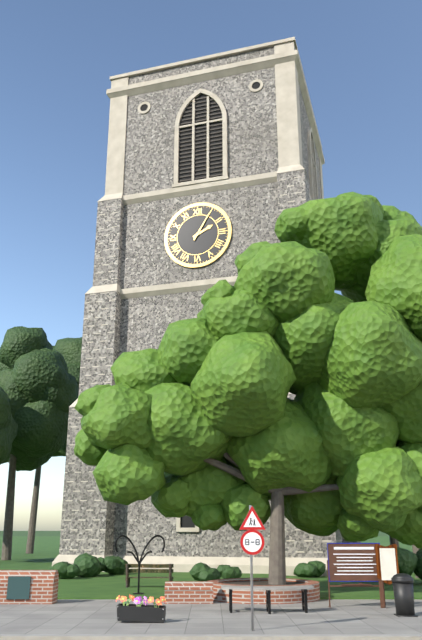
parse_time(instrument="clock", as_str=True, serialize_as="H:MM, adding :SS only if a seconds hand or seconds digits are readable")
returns 2:05
